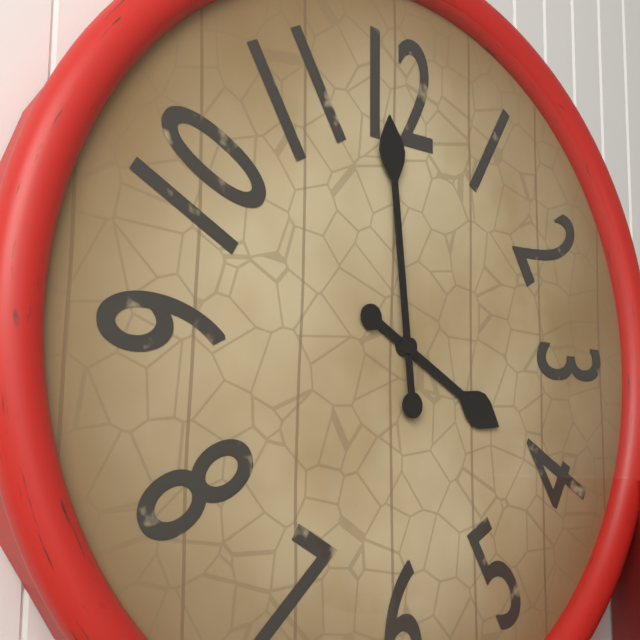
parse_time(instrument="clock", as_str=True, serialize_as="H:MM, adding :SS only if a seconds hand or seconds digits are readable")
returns 3:59
